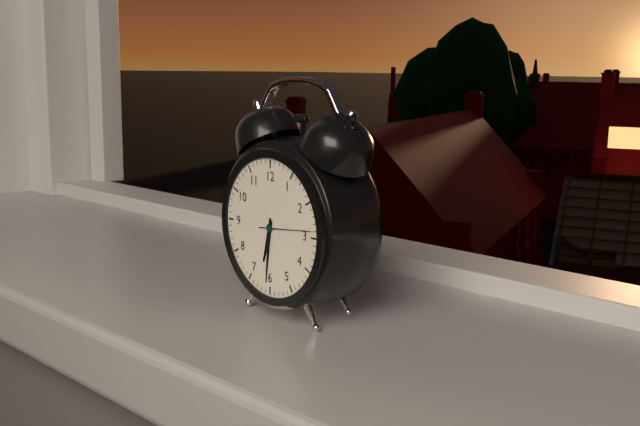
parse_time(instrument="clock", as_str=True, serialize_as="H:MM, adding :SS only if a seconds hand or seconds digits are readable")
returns 6:31:14
